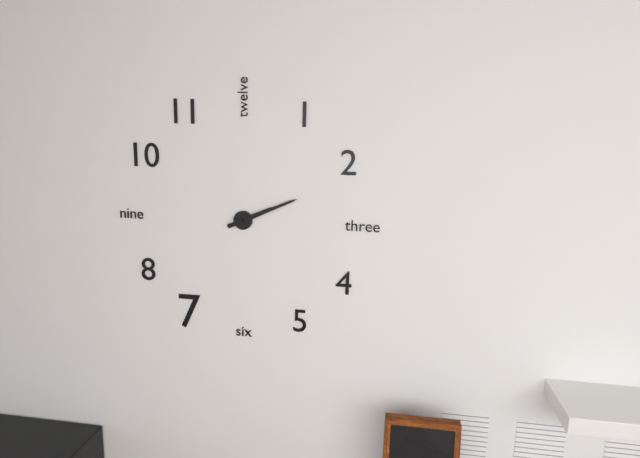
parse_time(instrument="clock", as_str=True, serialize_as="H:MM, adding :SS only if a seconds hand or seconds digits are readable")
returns 2:11
